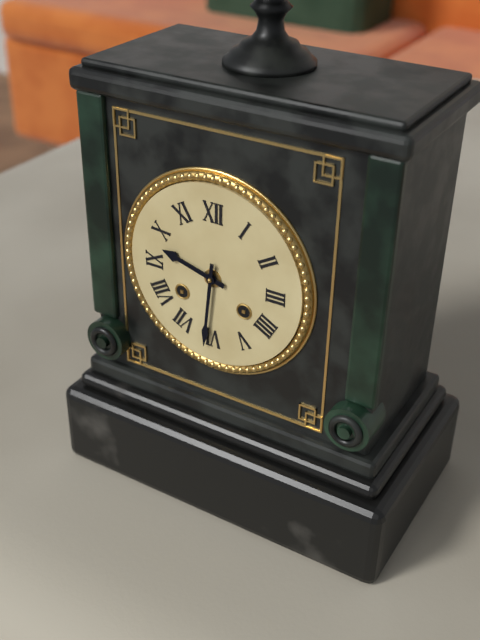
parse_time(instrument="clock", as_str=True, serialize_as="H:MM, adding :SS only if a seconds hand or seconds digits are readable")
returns 9:31
